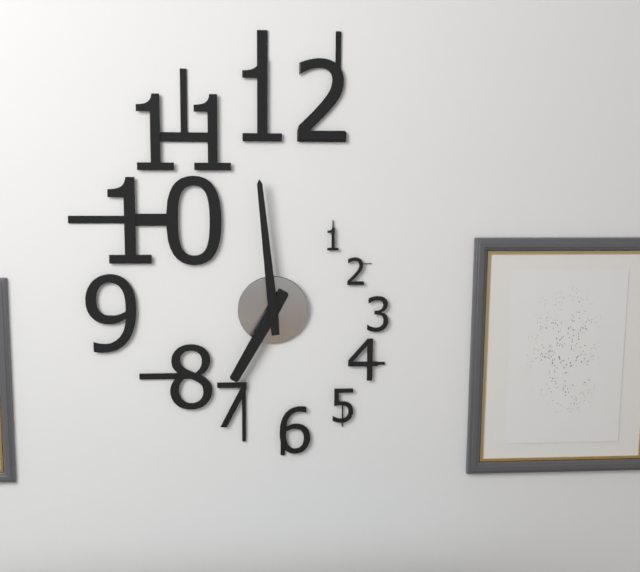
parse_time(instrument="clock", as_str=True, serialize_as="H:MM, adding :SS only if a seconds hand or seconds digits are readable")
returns 6:59
